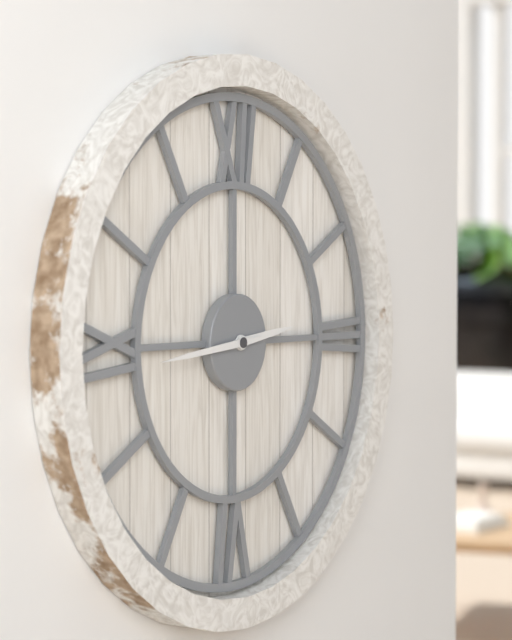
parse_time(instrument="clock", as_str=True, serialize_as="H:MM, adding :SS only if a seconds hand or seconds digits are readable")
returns 2:44
